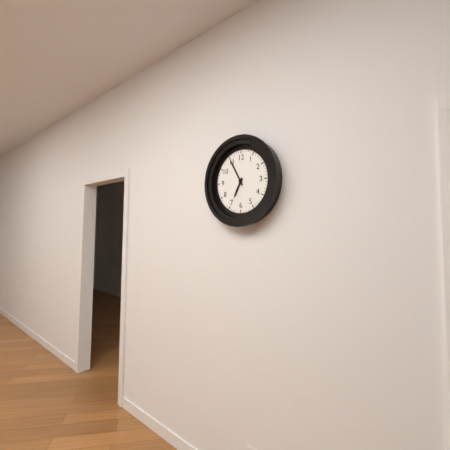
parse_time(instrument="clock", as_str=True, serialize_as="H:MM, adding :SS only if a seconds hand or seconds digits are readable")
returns 6:55
